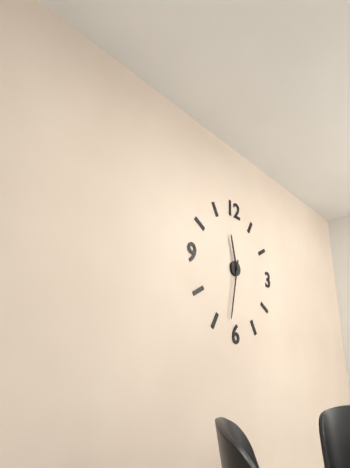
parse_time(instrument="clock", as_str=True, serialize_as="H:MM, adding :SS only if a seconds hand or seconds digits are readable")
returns 11:32
